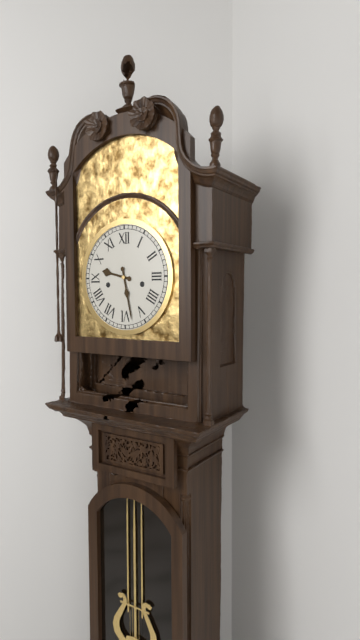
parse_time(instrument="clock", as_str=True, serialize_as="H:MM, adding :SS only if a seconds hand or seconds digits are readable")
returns 9:28
